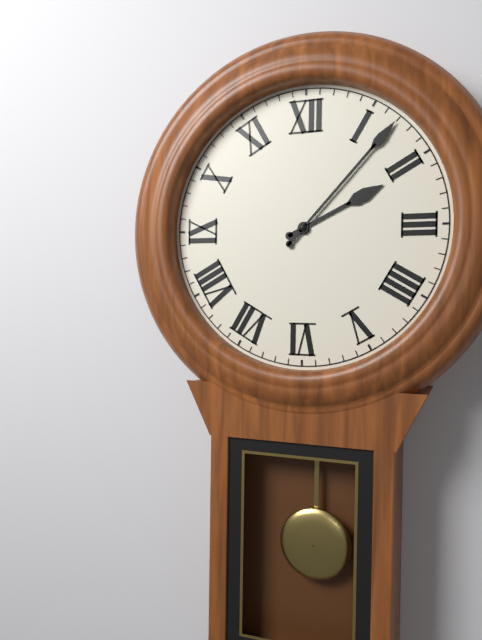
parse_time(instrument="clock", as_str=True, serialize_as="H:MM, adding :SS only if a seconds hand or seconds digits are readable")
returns 2:07
